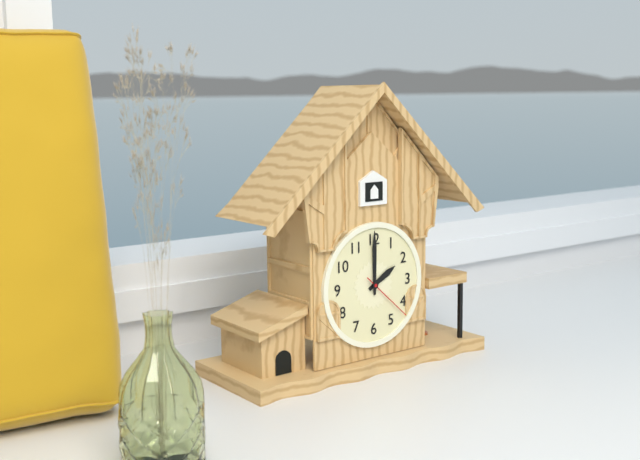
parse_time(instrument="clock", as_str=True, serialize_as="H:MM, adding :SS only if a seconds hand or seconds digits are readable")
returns 2:00:22
